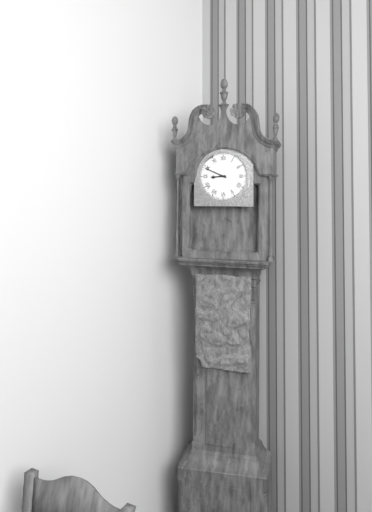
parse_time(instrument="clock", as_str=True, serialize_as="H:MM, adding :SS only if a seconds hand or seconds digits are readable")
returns 8:49
